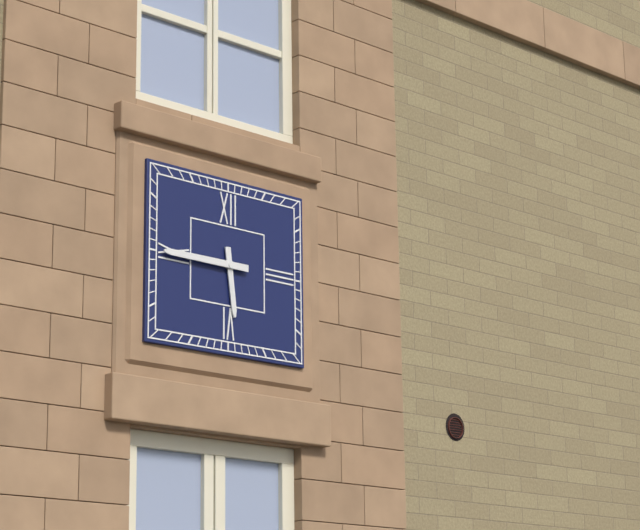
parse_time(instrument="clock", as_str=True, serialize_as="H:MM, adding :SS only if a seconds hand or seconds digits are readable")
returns 5:45
